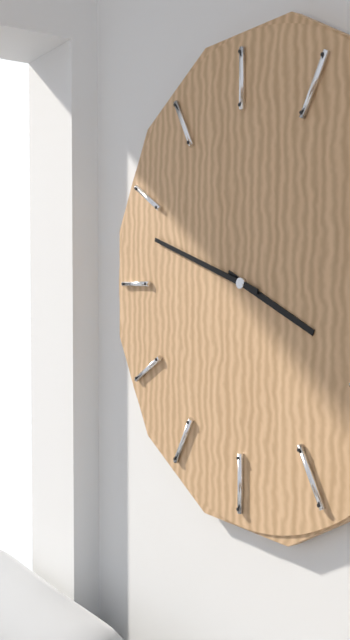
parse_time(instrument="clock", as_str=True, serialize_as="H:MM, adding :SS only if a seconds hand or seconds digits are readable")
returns 3:48
